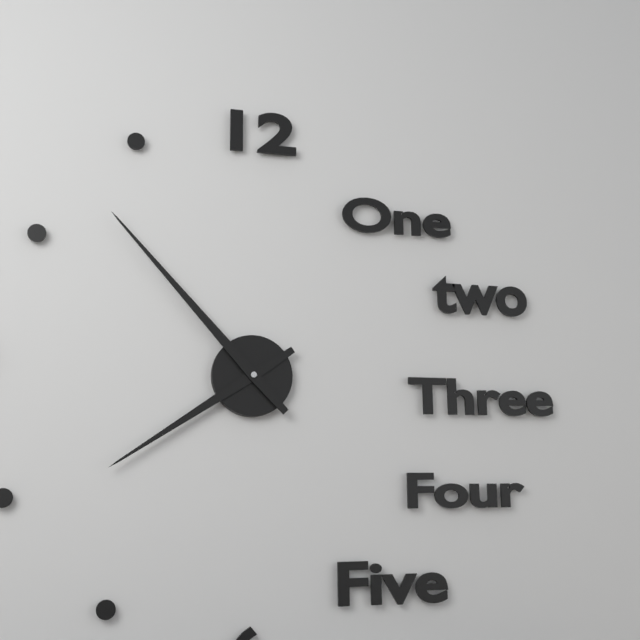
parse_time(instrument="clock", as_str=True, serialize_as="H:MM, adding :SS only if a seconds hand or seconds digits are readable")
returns 7:53
